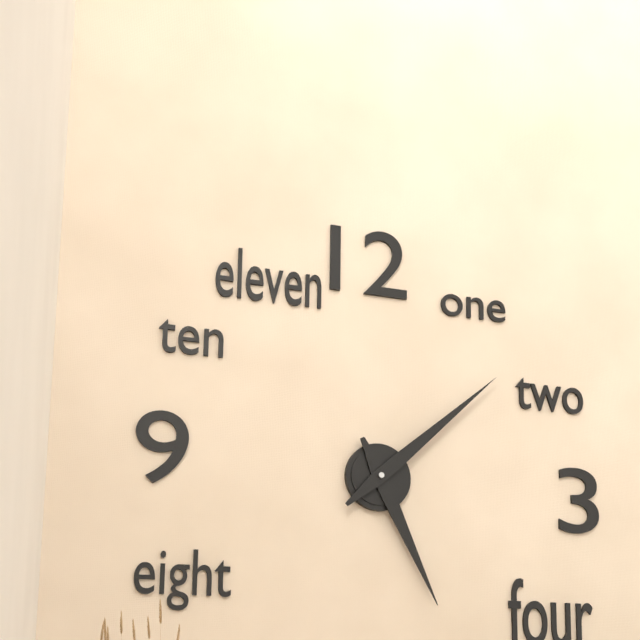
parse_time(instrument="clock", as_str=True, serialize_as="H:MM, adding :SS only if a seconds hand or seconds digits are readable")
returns 5:08
